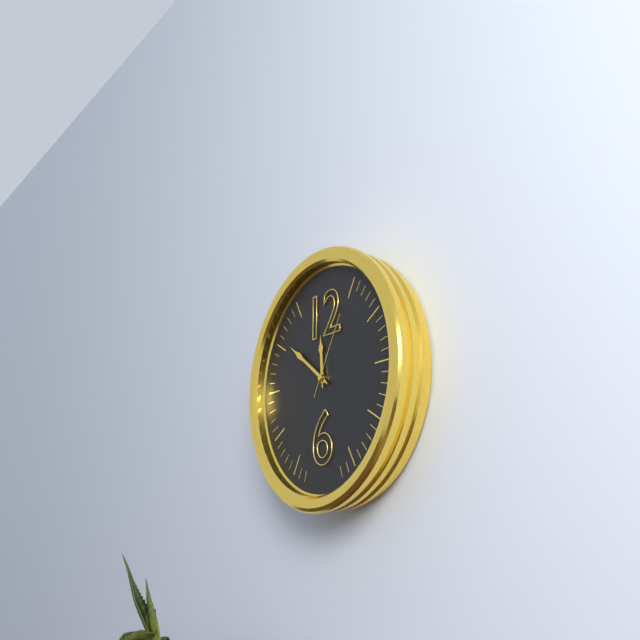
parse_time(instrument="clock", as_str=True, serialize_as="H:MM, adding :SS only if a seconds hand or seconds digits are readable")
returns 11:51:05
